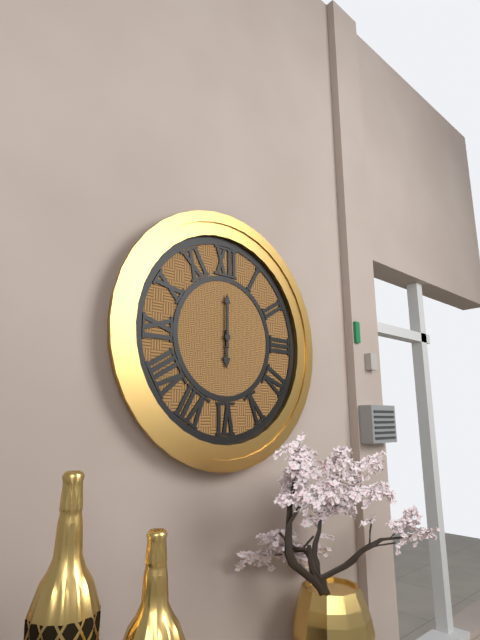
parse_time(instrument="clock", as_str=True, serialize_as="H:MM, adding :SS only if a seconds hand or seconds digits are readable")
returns 6:00
